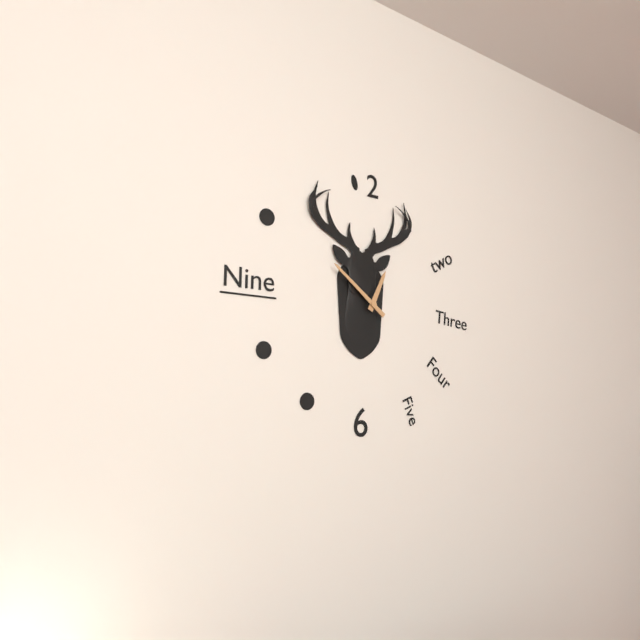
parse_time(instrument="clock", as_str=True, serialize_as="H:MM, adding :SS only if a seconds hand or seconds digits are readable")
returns 12:51
